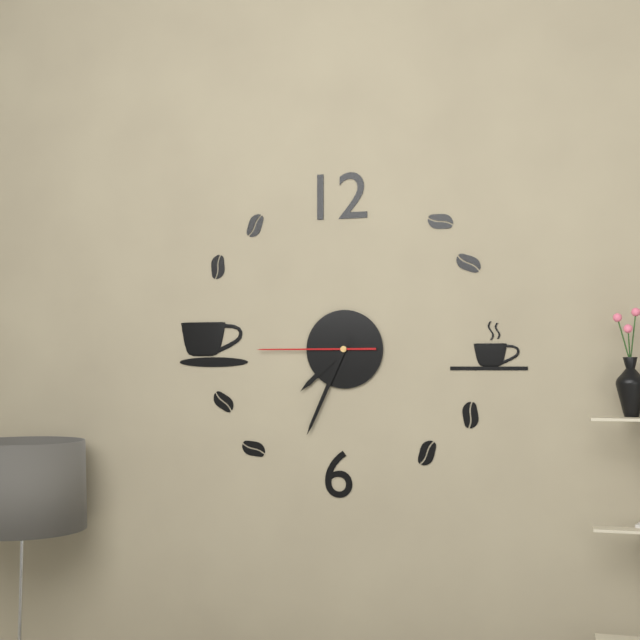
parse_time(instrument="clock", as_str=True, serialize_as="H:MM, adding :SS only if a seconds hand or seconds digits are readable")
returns 7:34:45
